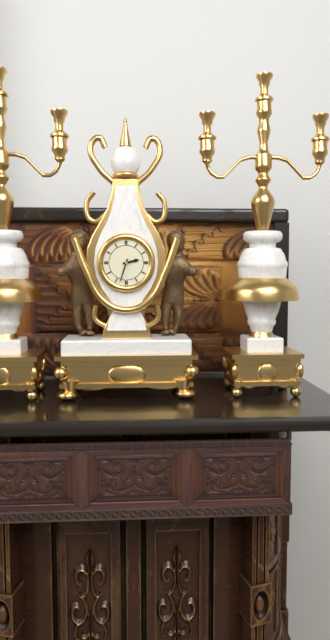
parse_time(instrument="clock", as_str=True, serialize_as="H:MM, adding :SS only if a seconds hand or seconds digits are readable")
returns 2:33
